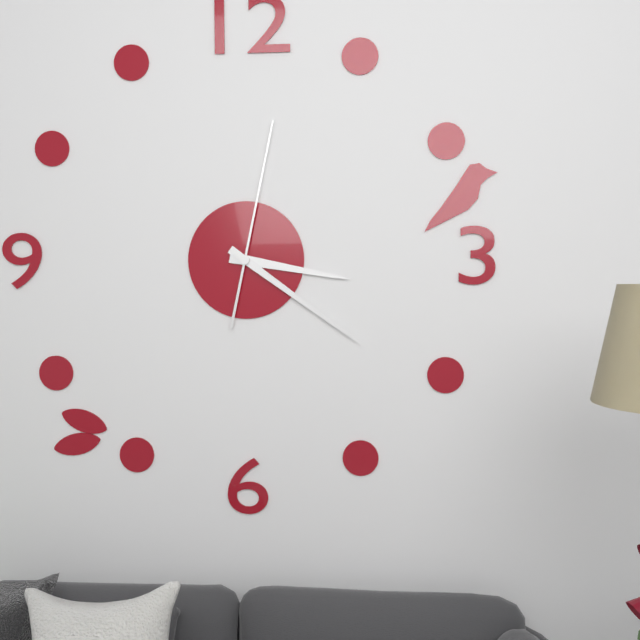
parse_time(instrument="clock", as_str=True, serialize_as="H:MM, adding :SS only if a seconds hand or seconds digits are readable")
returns 3:21:02
